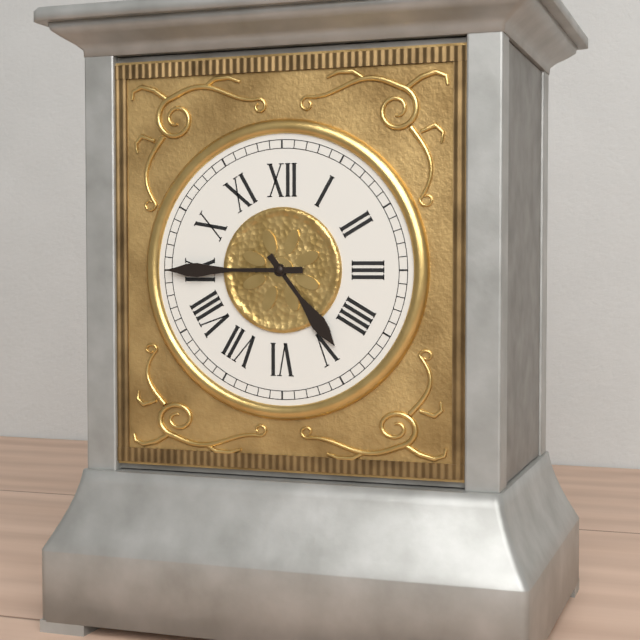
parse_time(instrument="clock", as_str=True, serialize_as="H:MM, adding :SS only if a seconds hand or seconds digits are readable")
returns 4:45
